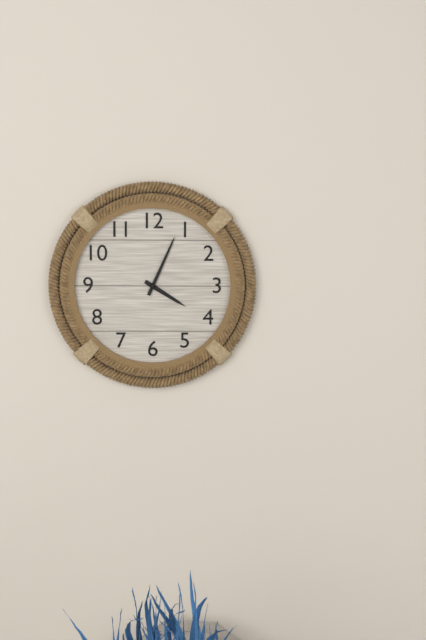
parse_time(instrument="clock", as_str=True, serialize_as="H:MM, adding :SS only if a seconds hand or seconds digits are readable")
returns 4:04
